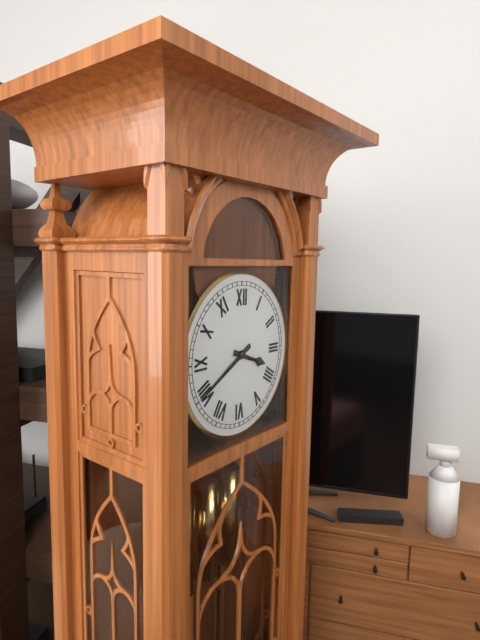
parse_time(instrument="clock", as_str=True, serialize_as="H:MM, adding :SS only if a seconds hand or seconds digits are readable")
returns 3:40
